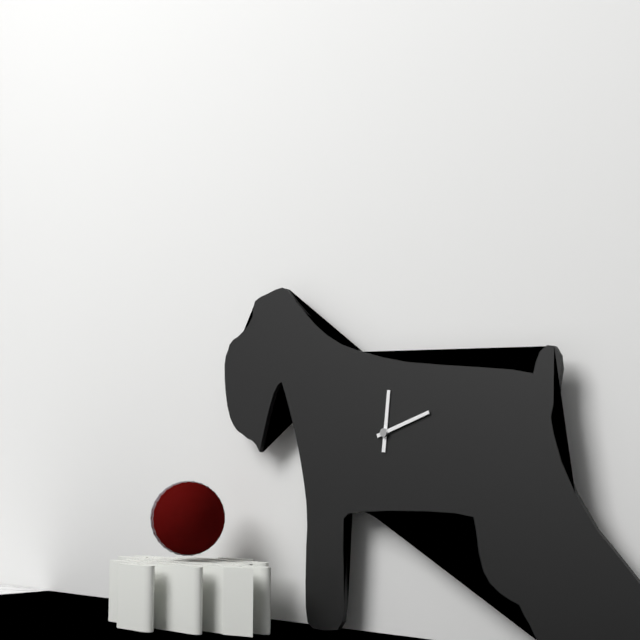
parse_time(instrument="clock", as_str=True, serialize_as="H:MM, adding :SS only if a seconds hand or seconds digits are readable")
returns 12:12
